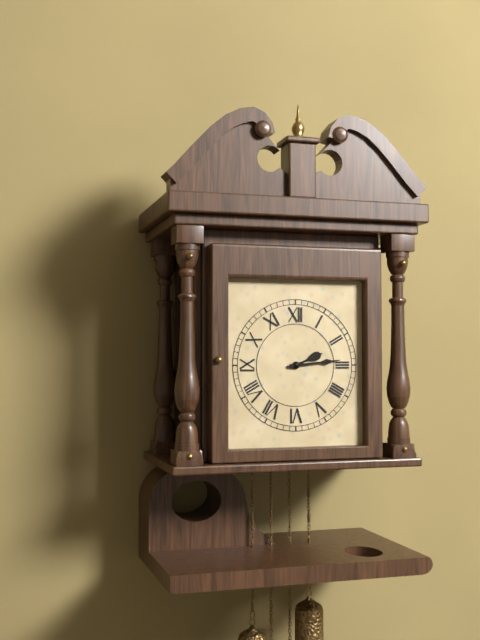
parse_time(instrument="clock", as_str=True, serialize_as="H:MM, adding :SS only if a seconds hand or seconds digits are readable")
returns 2:14
